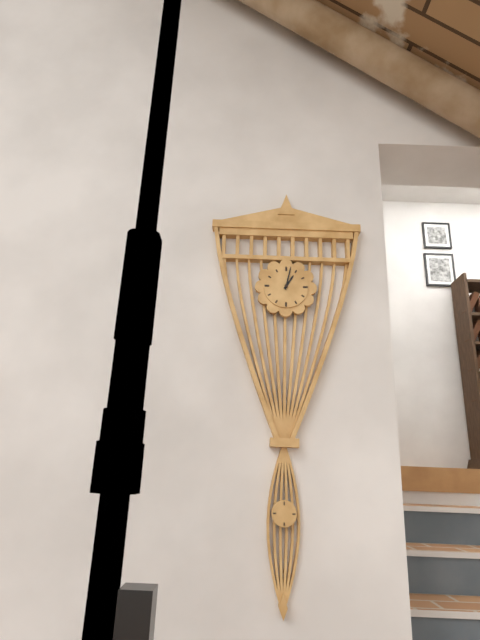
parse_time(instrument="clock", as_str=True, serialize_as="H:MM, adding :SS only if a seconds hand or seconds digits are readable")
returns 1:02
